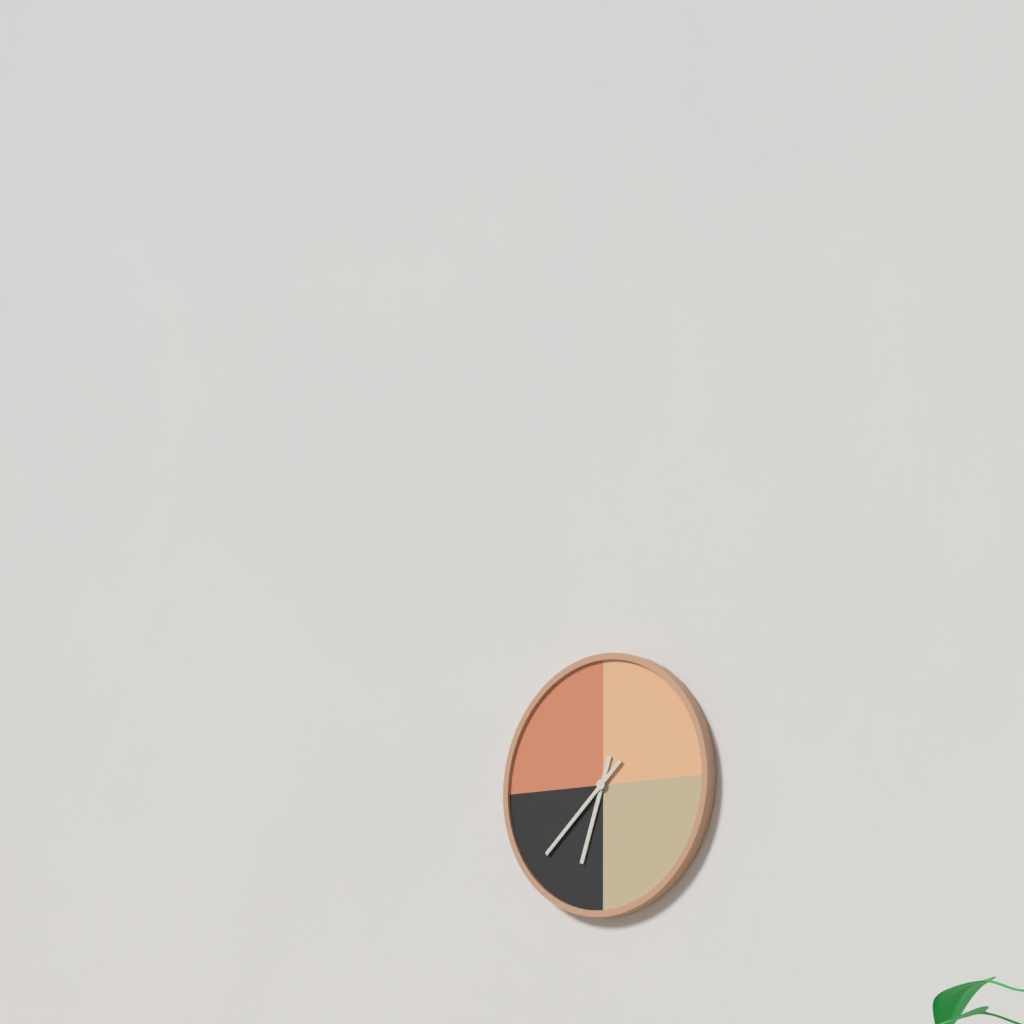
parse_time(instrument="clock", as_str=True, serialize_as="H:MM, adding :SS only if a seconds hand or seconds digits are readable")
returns 6:38
